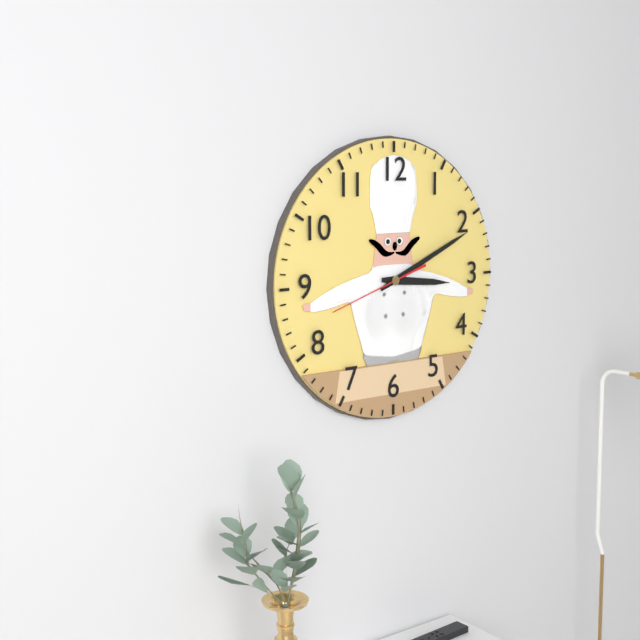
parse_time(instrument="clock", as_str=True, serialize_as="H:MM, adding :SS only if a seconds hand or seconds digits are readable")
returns 3:11:42
